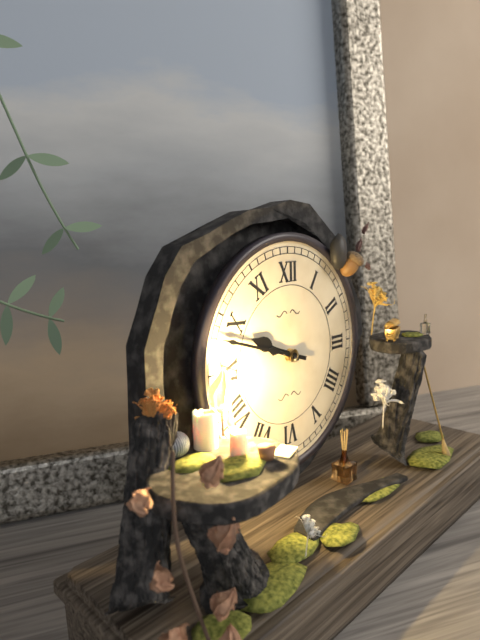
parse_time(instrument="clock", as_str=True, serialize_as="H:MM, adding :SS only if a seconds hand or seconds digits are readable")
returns 9:48
